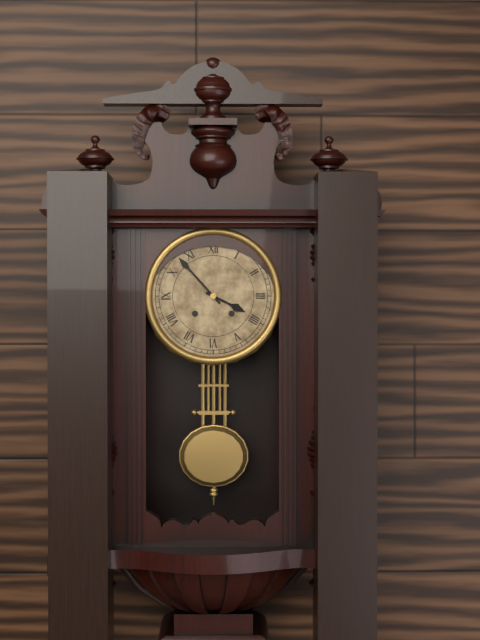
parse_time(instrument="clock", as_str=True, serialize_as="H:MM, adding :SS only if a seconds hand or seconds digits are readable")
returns 3:53
